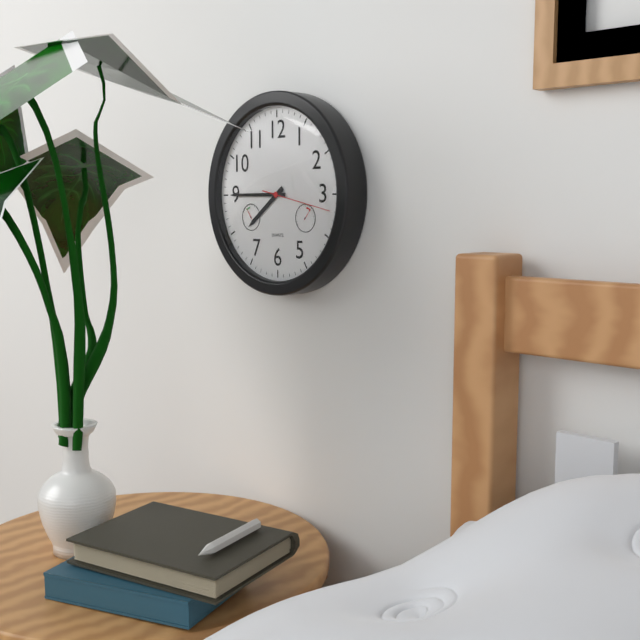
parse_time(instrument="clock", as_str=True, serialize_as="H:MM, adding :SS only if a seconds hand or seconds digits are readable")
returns 7:45:17
